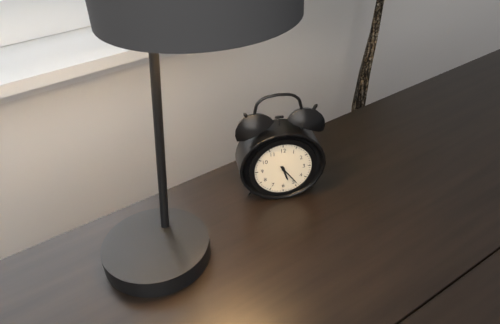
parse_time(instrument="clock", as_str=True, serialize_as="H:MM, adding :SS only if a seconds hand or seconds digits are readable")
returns 5:24
